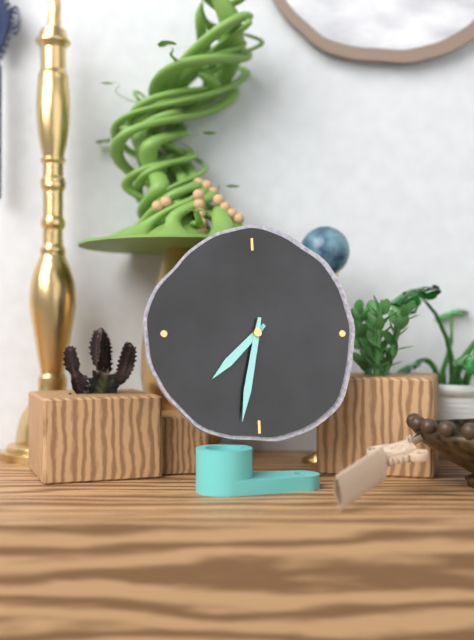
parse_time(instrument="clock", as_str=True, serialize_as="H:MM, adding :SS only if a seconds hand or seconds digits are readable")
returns 7:32
